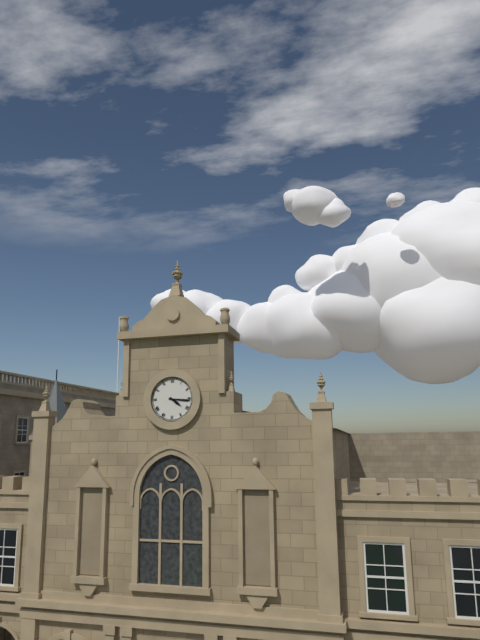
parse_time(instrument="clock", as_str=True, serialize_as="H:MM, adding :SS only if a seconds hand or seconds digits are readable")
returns 4:16
